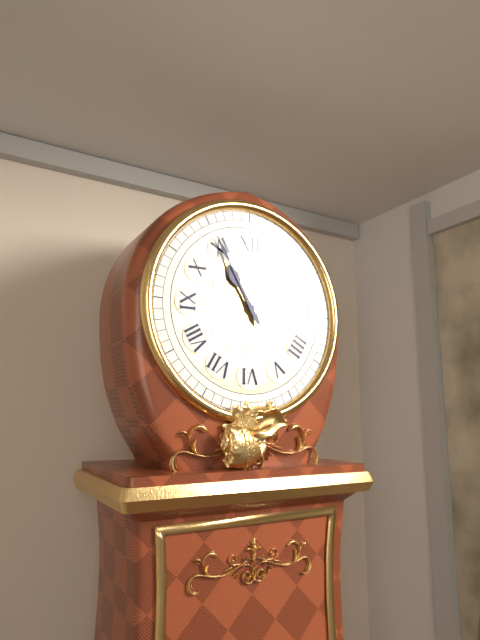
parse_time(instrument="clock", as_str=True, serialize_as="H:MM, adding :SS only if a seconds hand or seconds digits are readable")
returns 10:55
